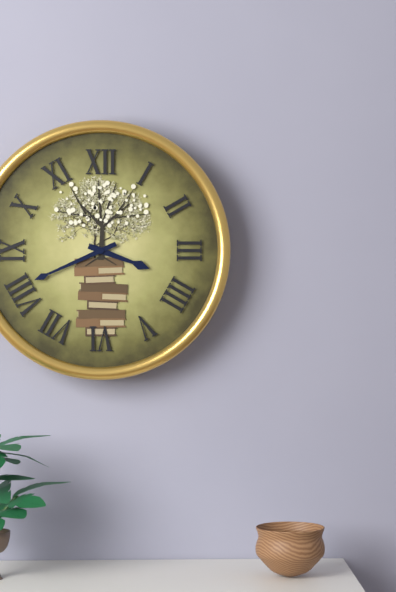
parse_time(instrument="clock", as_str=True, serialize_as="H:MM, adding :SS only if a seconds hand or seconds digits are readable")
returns 3:41
